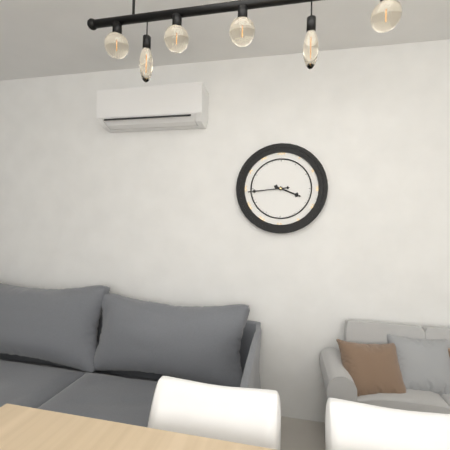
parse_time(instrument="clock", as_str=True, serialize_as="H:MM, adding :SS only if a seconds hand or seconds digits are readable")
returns 3:44
